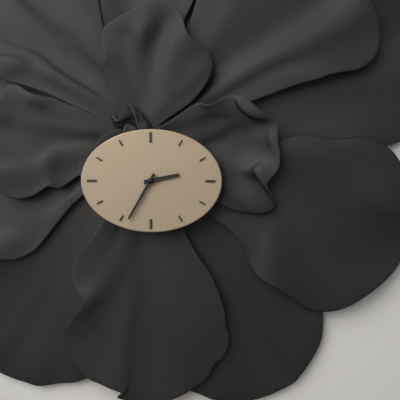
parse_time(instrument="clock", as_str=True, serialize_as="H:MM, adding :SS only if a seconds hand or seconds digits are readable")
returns 2:35
